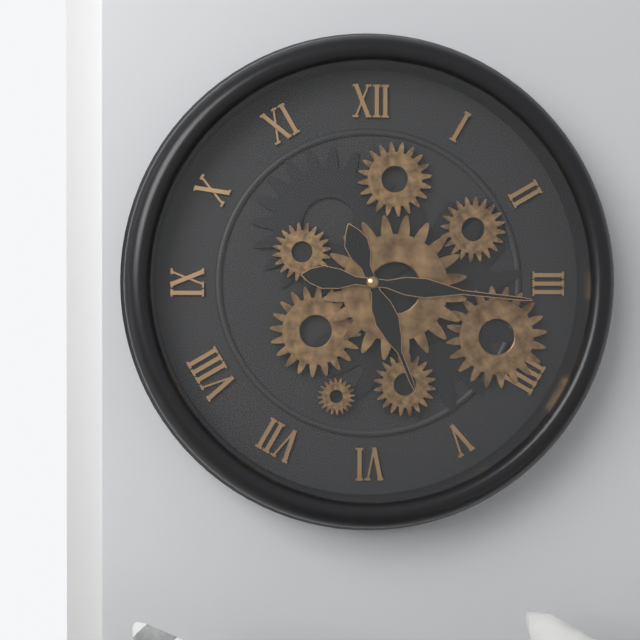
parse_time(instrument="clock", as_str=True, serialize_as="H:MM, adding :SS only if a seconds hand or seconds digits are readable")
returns 5:16
